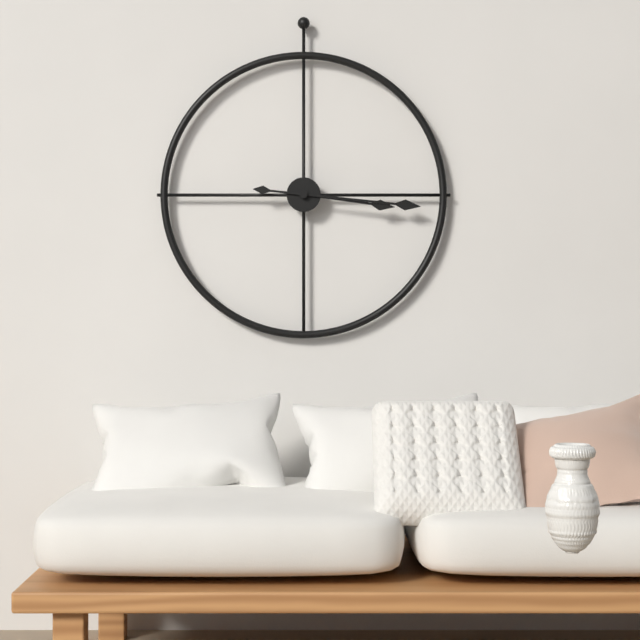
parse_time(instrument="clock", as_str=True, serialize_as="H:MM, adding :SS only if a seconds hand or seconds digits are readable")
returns 3:16
